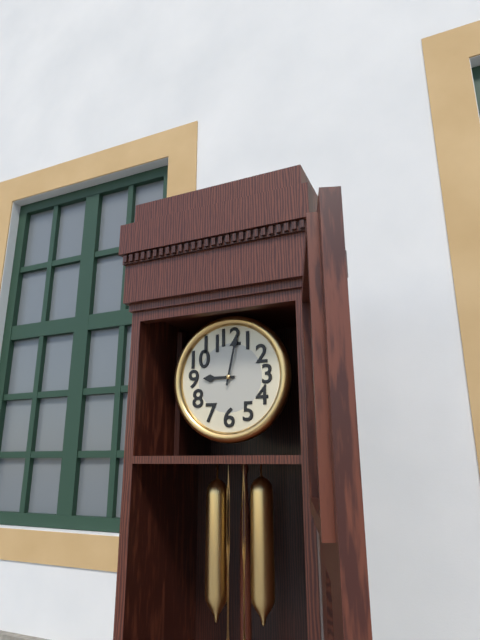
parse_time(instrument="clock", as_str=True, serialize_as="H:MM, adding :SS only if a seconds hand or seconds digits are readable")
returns 9:02
